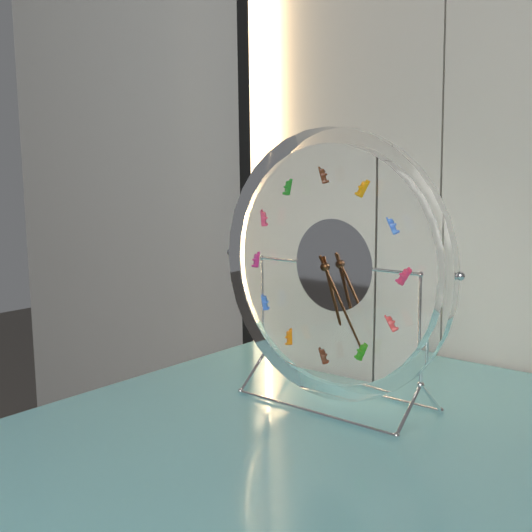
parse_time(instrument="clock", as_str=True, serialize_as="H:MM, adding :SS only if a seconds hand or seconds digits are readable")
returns 5:25
